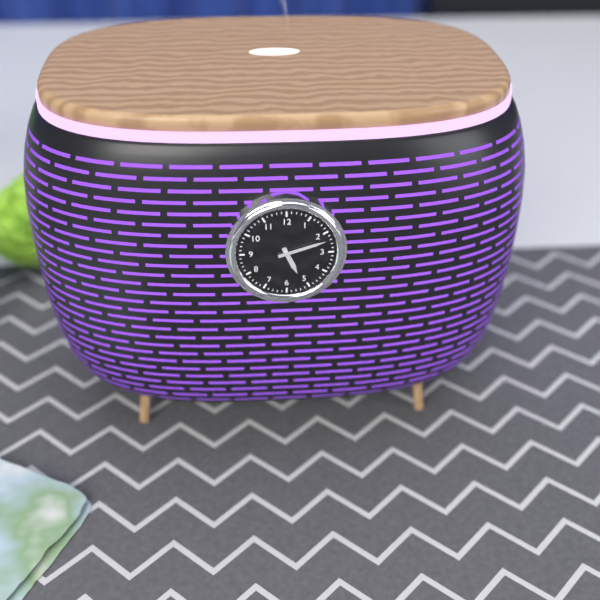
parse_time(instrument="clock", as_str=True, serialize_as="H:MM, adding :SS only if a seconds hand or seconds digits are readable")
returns 5:12
